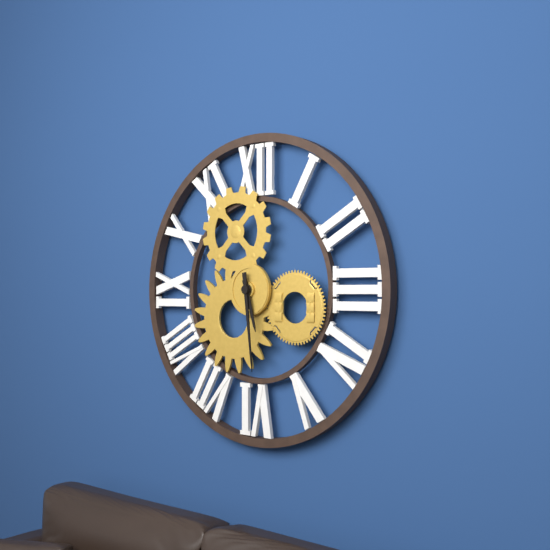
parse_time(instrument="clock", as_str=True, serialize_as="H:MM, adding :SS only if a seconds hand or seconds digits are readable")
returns 5:29
